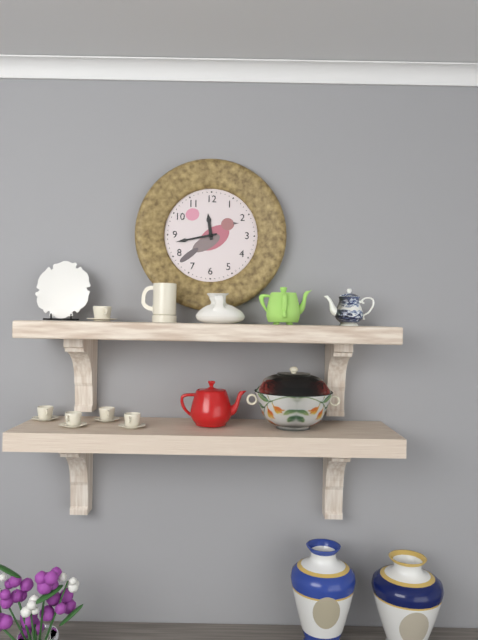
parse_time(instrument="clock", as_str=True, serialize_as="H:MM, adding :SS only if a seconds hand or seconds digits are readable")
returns 11:43
